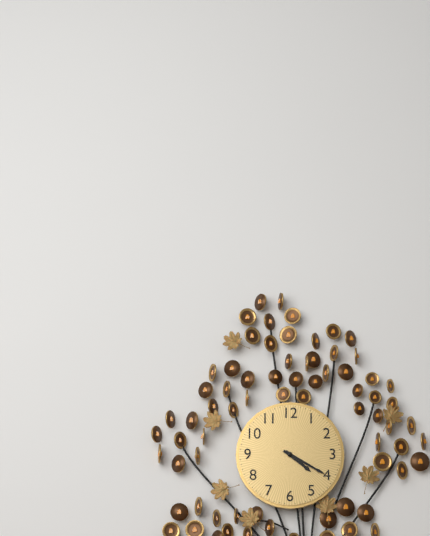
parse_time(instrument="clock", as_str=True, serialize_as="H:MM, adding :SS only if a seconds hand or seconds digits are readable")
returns 4:20
